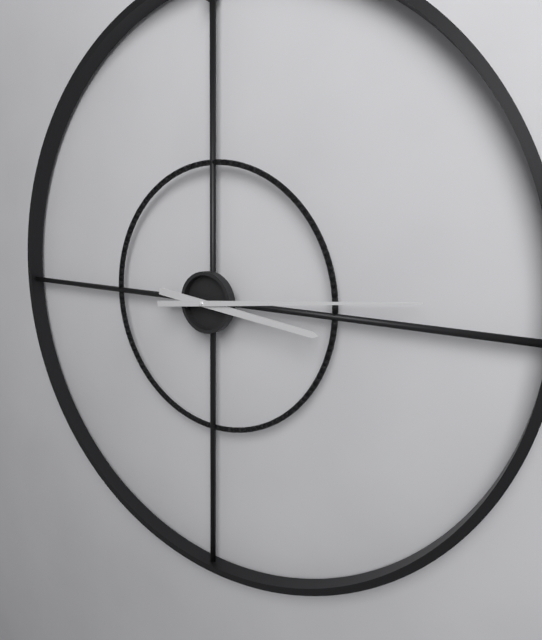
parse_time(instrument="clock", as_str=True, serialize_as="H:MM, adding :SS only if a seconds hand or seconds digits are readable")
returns 3:14
